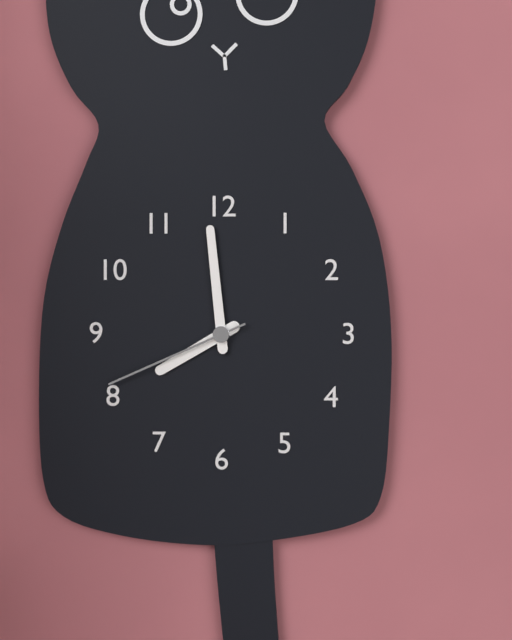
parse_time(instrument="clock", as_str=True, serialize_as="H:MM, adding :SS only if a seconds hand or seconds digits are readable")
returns 7:59:41
